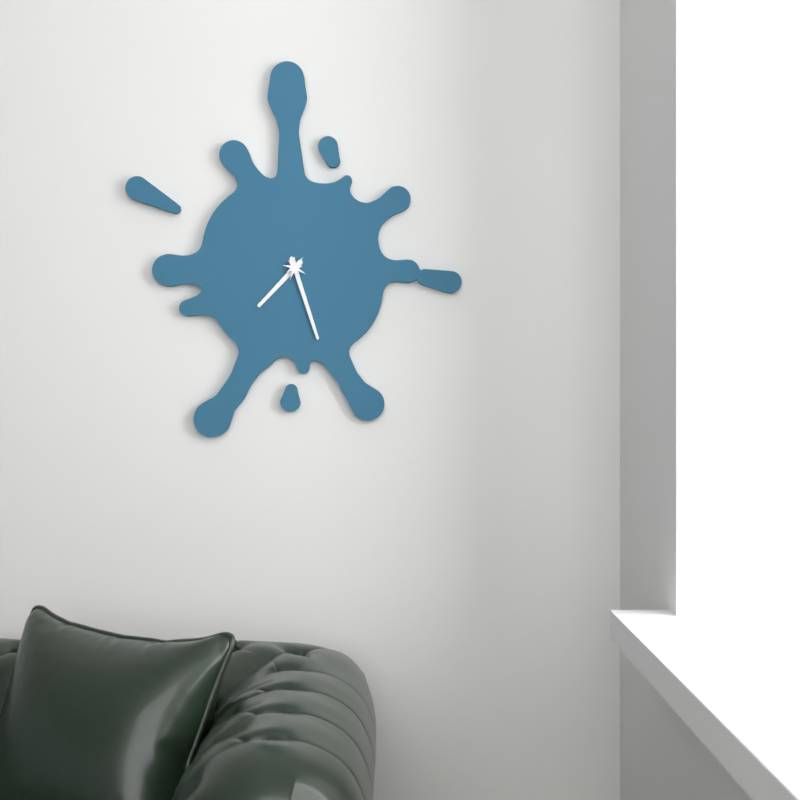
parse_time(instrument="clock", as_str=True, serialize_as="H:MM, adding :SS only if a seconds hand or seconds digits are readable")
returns 7:27
